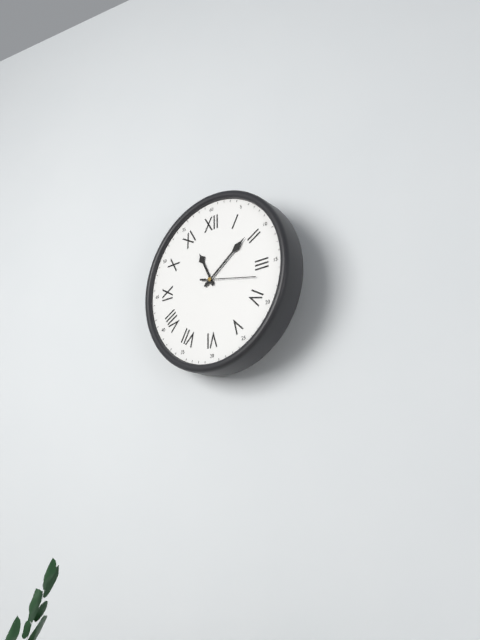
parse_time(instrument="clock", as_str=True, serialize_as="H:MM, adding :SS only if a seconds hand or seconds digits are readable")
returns 11:09:17
